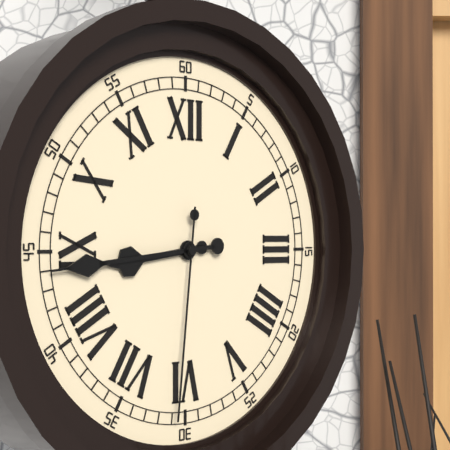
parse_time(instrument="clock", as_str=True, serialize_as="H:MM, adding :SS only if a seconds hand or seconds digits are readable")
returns 8:44:31
